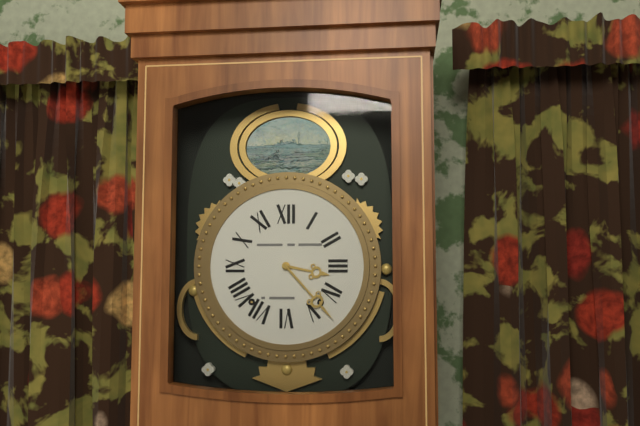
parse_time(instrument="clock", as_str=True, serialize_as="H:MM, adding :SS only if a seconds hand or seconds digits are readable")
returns 3:23
